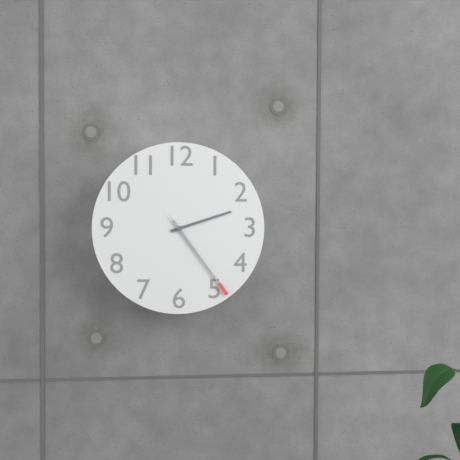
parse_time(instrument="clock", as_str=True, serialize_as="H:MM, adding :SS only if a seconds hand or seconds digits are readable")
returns 2:24:24
